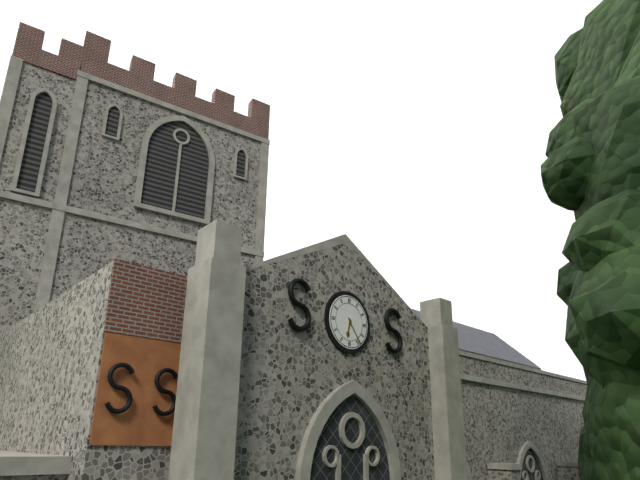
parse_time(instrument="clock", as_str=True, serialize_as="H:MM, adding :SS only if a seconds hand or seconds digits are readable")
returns 6:24
